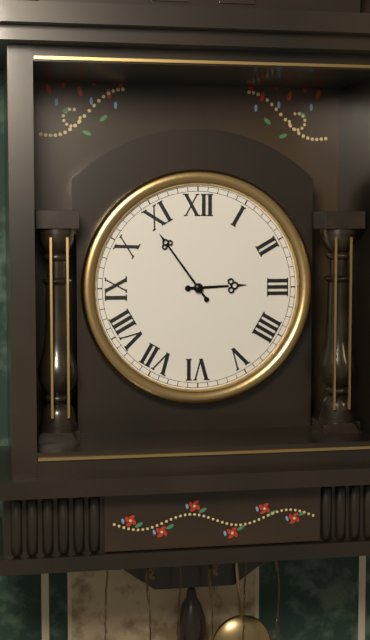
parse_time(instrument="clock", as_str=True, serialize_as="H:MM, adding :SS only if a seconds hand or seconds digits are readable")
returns 2:54
